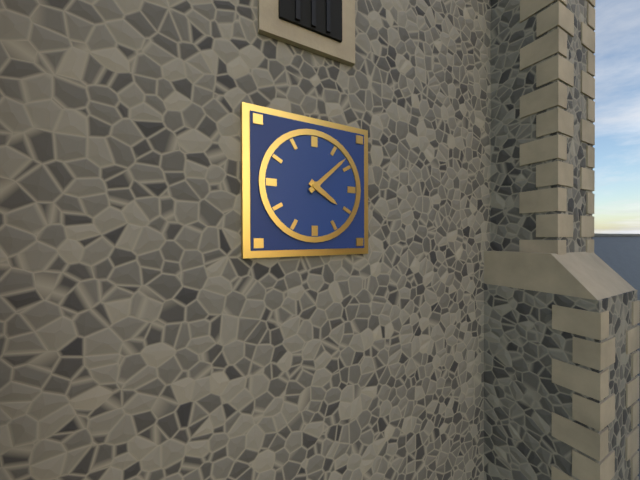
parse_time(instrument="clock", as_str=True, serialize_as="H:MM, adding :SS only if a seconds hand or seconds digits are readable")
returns 4:08
